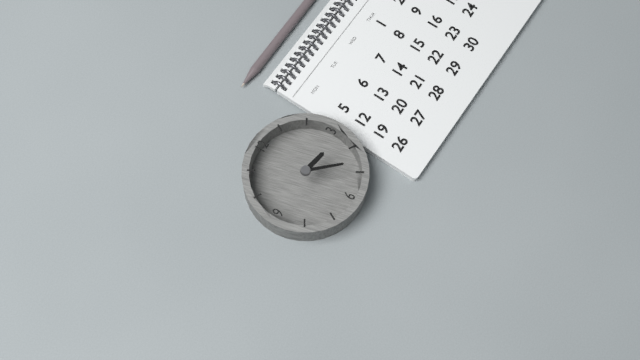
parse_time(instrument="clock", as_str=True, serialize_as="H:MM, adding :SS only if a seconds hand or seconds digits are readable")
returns 3:23
